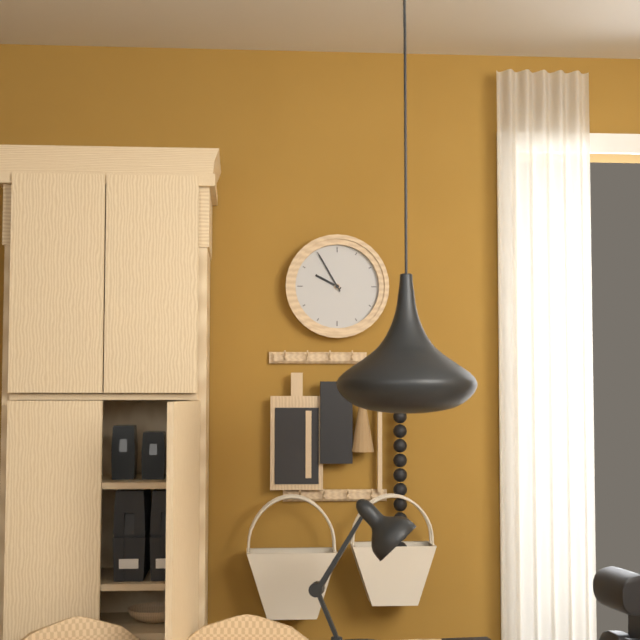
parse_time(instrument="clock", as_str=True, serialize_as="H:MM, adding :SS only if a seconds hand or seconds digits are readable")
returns 9:55
